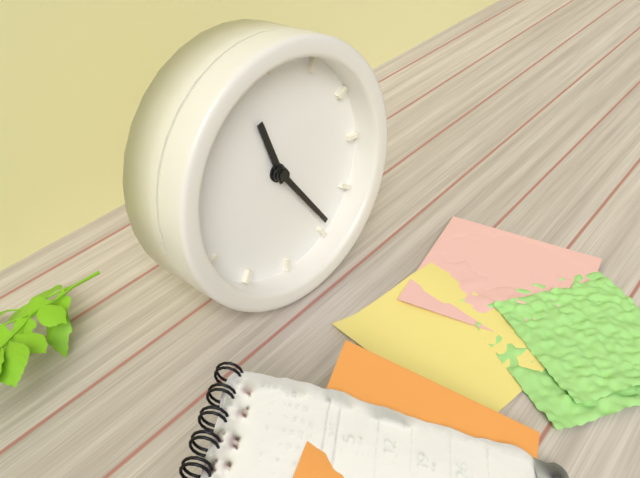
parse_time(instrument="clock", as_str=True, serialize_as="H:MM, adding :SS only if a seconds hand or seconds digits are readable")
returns 11:24
